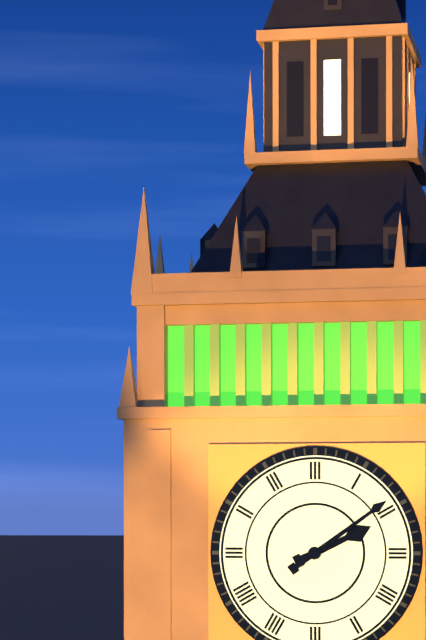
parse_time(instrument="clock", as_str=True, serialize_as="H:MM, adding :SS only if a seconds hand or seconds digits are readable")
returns 2:09
